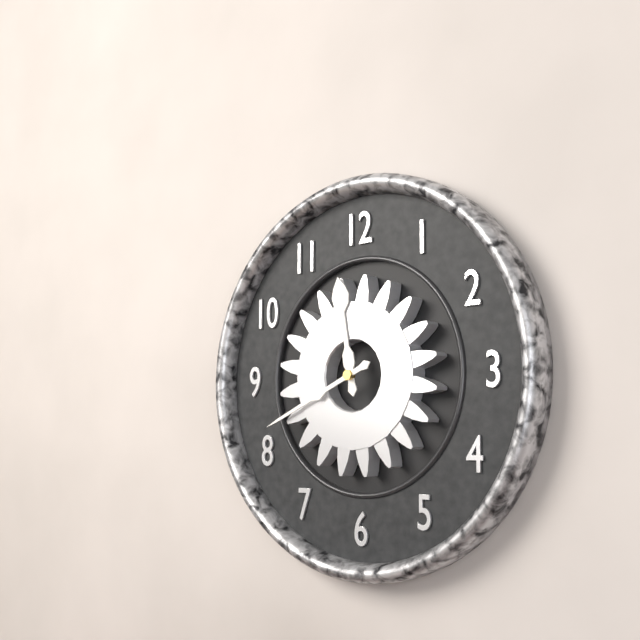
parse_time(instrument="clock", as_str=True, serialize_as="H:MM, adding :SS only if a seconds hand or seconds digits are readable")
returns 11:41
